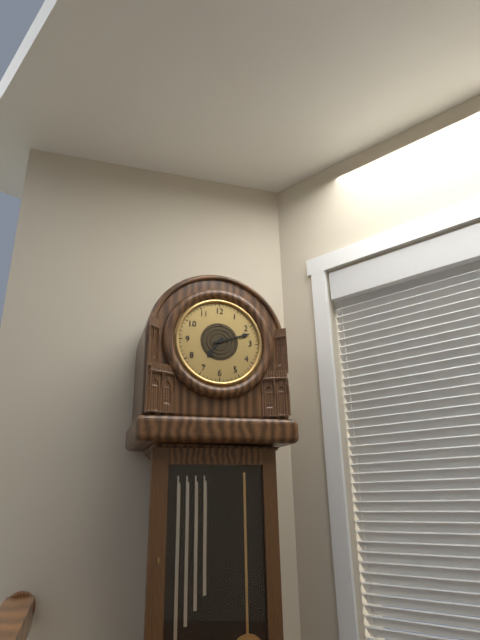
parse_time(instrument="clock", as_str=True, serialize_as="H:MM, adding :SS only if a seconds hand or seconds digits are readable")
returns 7:12
